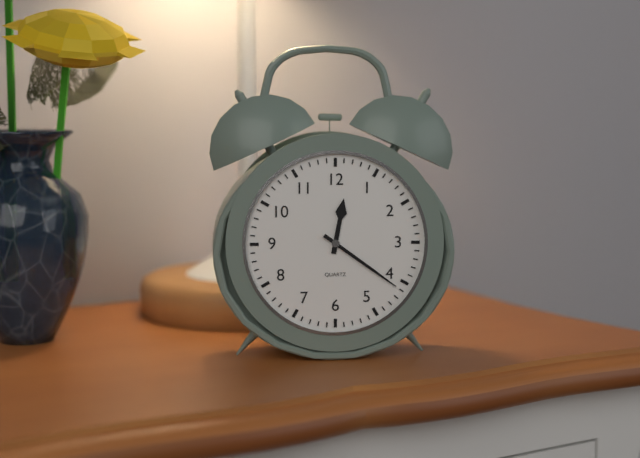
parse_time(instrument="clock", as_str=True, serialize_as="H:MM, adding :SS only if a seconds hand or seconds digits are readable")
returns 12:21
